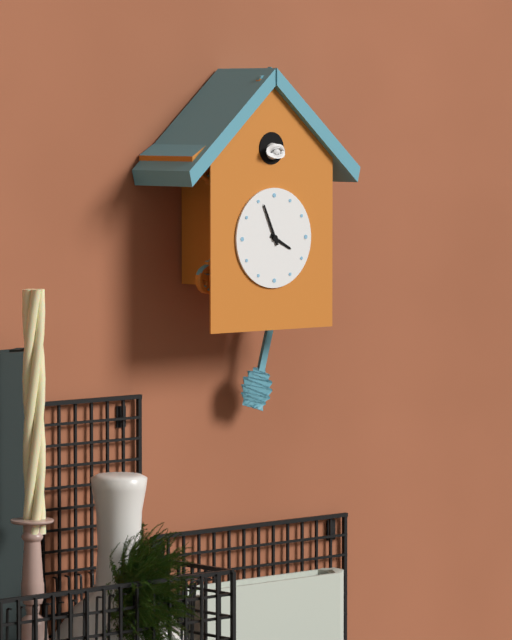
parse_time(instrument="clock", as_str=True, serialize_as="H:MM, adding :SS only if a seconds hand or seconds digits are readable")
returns 3:56
